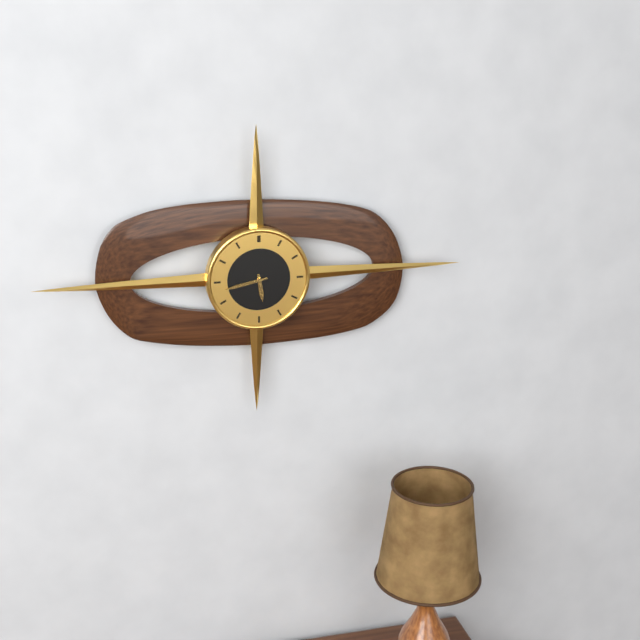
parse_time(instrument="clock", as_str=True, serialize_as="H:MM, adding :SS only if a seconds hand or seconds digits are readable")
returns 5:43
